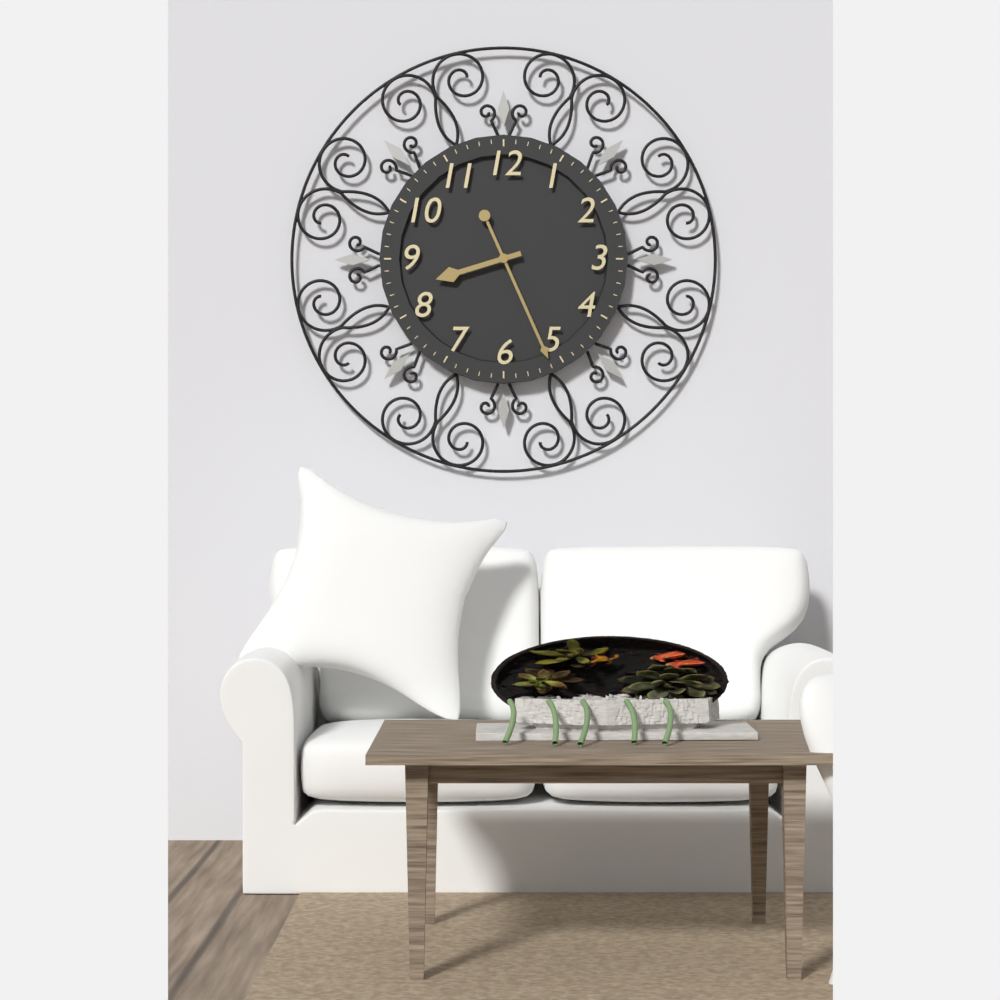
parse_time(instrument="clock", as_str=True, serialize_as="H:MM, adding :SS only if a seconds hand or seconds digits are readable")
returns 8:26
